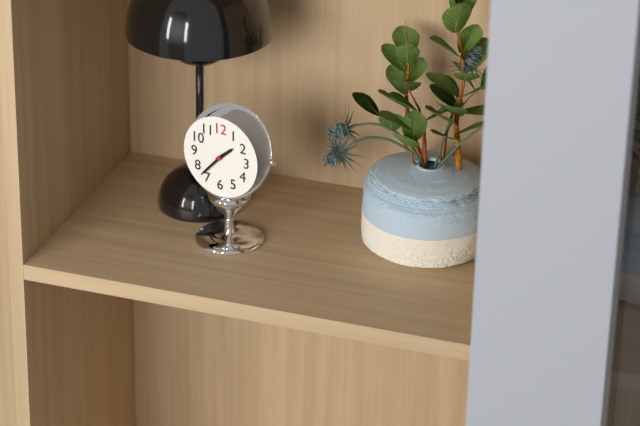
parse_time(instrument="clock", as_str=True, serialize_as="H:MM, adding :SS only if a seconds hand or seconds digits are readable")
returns 1:37
